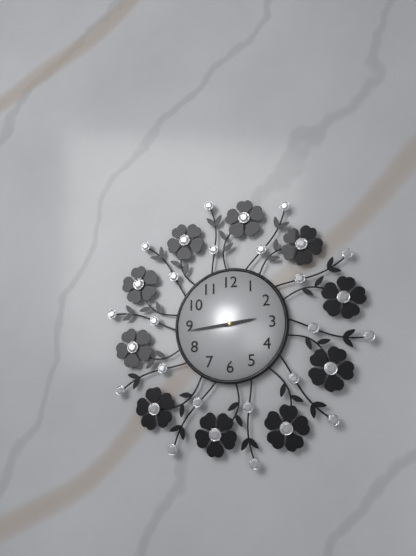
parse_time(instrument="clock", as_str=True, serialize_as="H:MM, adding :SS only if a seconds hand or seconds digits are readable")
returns 2:44
